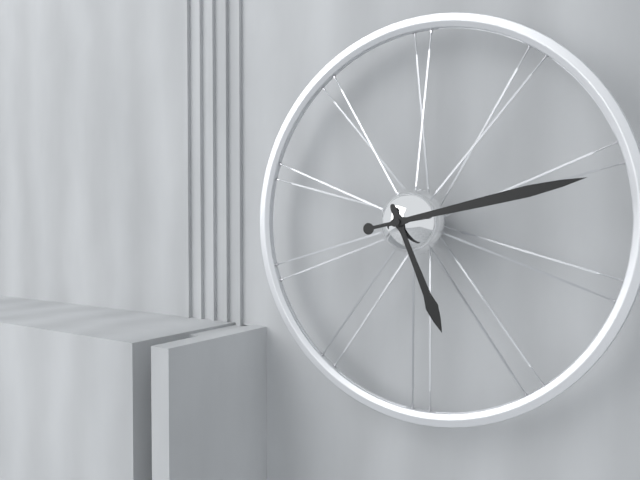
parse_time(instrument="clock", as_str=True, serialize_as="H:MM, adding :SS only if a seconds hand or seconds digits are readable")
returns 5:13
